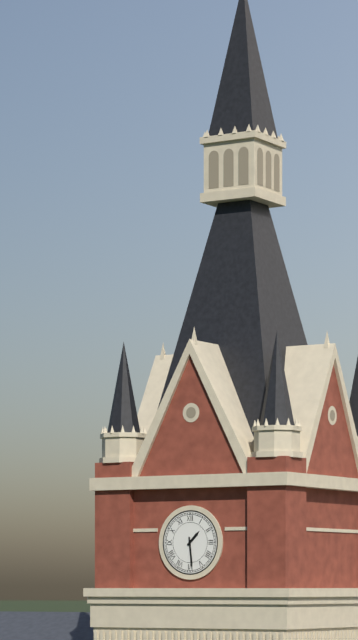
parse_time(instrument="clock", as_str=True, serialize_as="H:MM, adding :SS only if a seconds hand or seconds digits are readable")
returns 1:29
